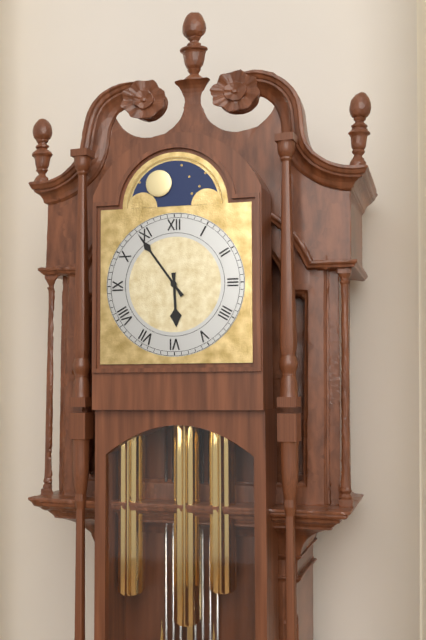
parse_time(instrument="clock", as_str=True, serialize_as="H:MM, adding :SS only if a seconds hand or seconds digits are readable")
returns 5:54
